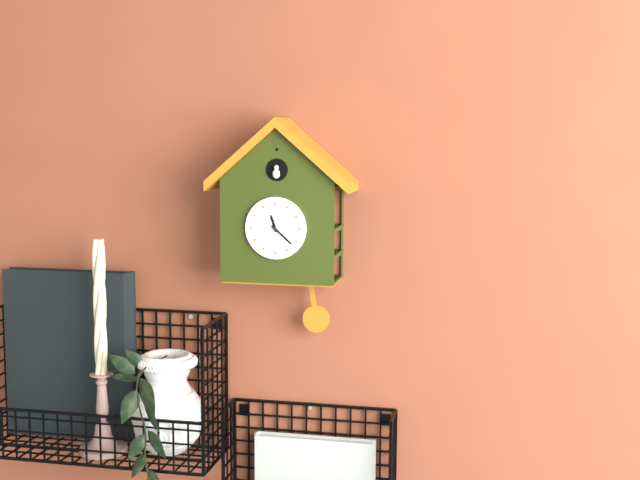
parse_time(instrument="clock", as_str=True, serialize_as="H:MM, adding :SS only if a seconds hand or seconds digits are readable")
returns 11:22
